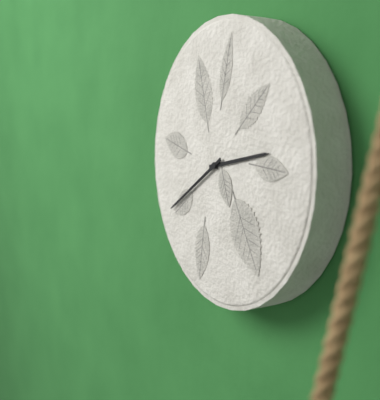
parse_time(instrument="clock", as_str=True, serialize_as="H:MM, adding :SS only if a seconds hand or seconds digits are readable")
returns 2:40
